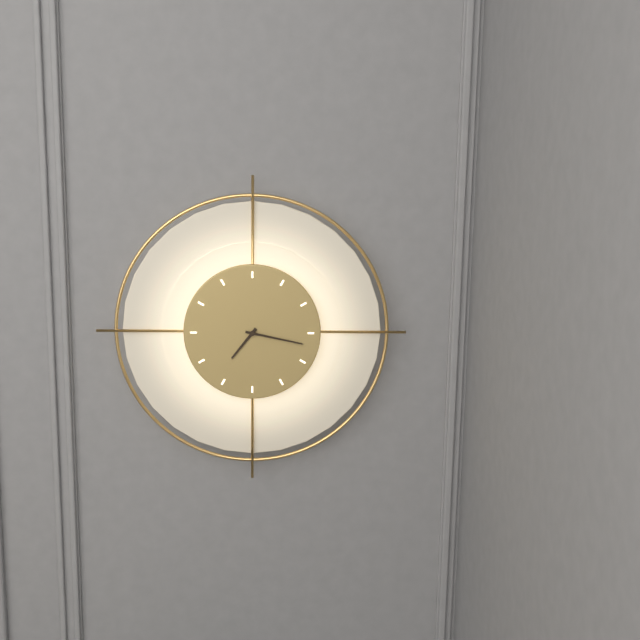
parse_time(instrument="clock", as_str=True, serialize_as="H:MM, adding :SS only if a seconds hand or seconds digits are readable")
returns 7:17
